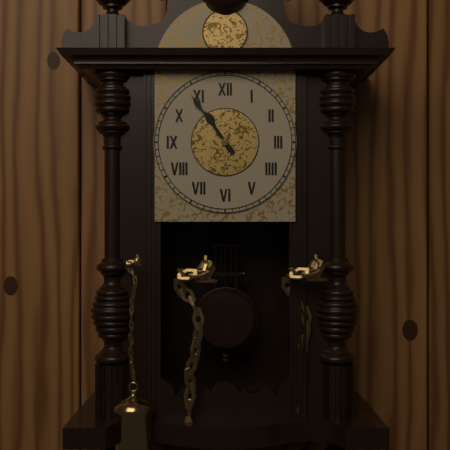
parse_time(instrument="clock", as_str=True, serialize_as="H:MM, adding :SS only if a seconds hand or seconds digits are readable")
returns 10:54
